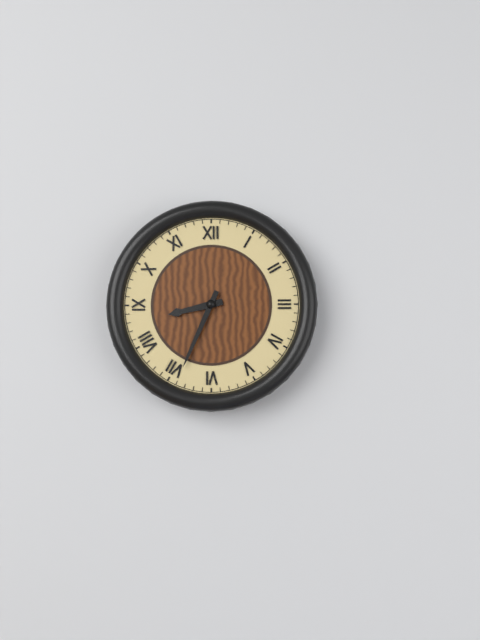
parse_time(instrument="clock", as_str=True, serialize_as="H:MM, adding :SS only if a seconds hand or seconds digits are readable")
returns 8:34
